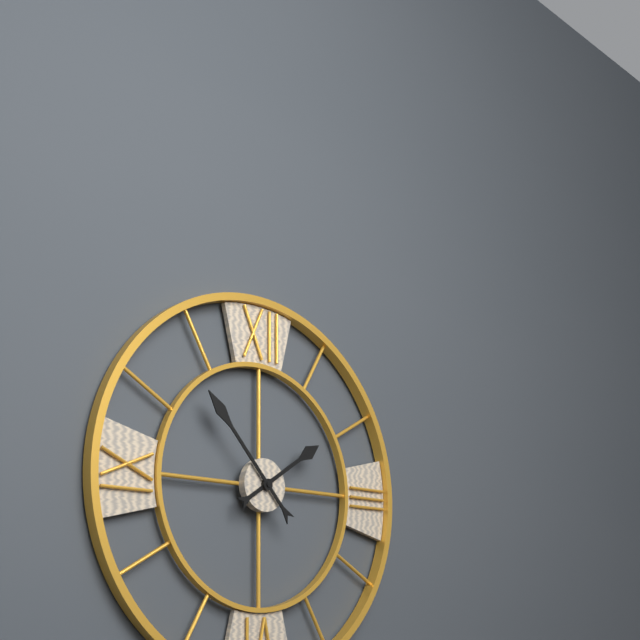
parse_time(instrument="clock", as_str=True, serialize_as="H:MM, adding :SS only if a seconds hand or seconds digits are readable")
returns 1:53
